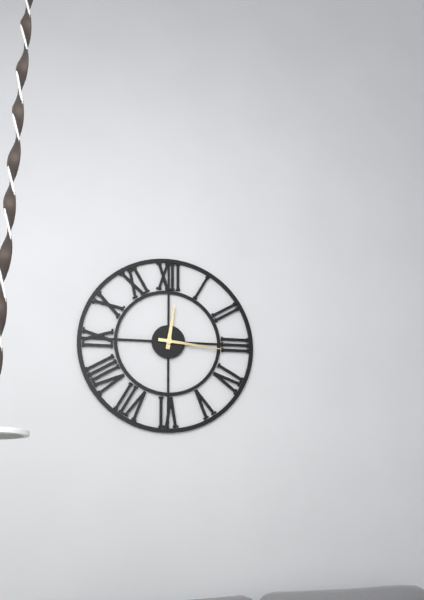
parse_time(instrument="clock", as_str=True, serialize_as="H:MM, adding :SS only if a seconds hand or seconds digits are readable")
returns 12:16
